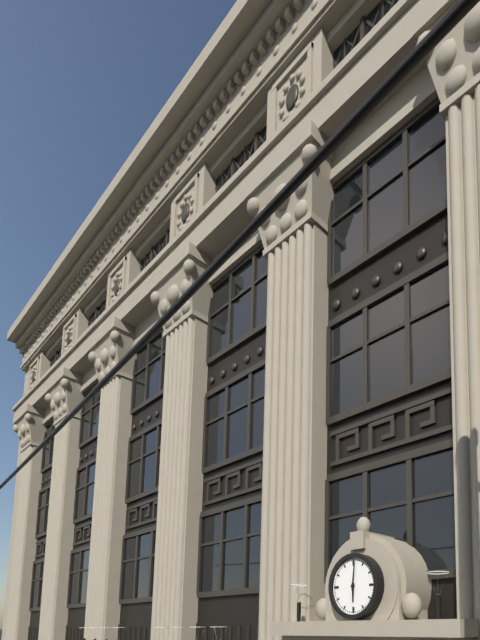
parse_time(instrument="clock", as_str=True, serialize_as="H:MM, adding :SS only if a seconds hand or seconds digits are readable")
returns 6:01
